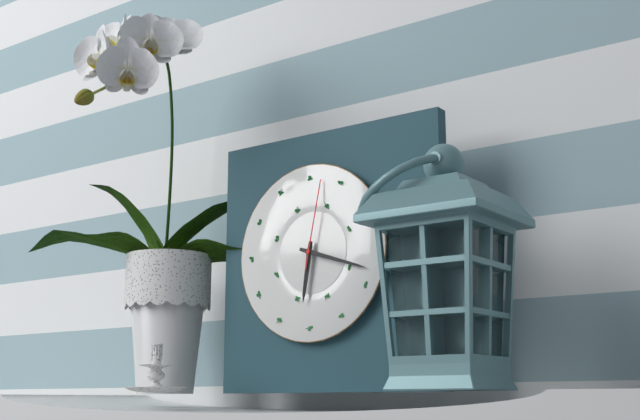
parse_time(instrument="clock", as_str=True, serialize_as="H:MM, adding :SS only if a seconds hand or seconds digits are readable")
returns 6:18:02
